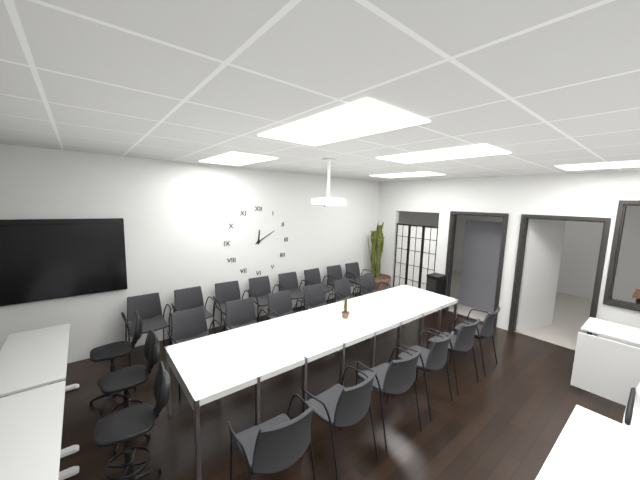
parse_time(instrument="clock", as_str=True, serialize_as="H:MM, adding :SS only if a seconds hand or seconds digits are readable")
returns 12:10
